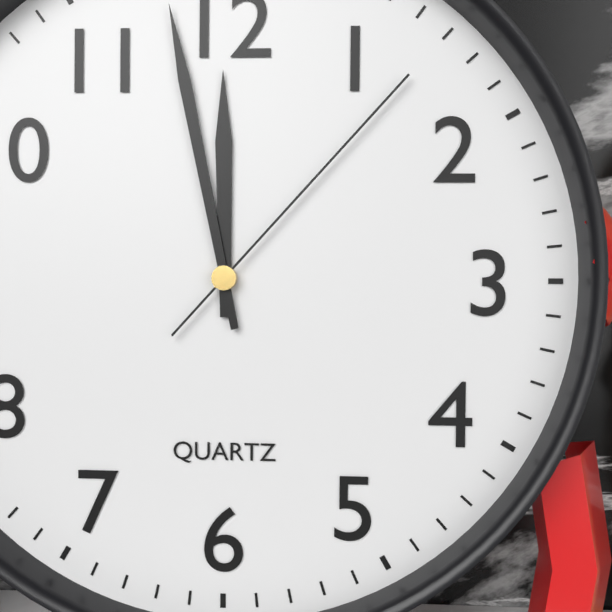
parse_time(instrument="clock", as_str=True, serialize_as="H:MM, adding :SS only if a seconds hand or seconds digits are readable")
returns 11:58:07
